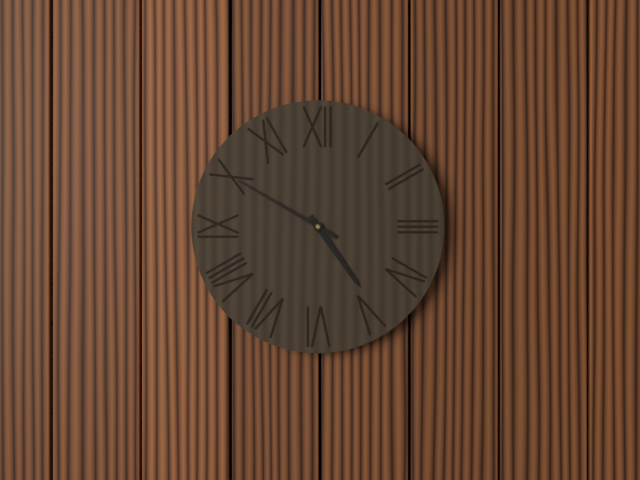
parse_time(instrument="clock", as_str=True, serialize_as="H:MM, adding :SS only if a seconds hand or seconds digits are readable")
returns 4:50
